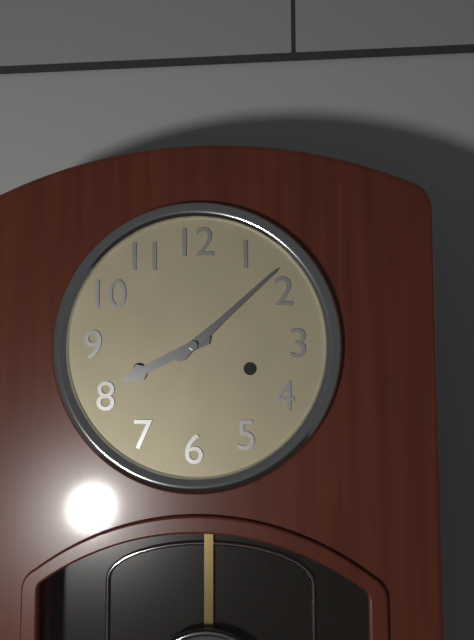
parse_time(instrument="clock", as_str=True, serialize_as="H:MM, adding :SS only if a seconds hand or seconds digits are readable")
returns 8:08
